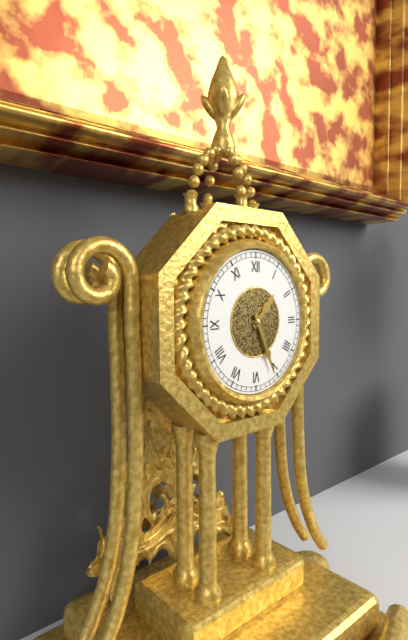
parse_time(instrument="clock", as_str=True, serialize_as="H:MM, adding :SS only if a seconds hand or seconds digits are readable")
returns 1:26
